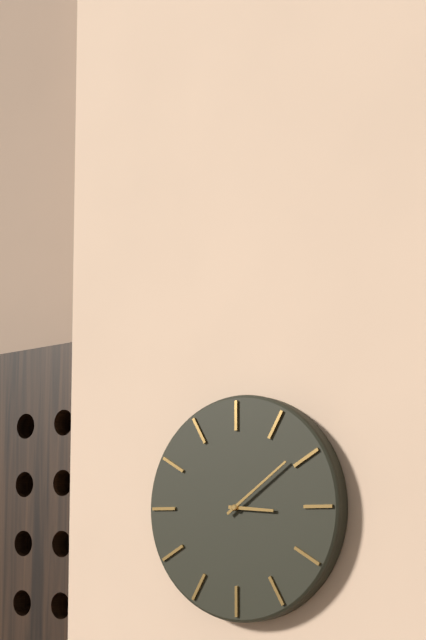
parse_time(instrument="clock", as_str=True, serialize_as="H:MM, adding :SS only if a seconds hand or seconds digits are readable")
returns 3:09
